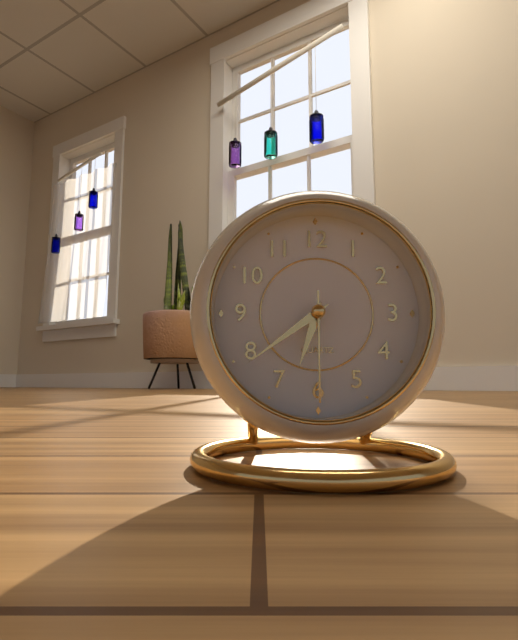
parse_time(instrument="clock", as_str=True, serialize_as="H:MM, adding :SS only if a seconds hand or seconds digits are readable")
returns 6:39:30
